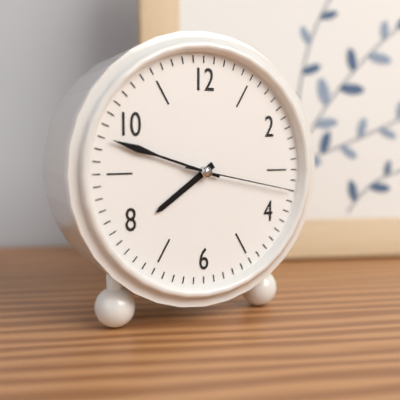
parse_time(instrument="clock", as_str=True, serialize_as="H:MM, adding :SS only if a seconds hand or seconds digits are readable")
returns 7:48:17
